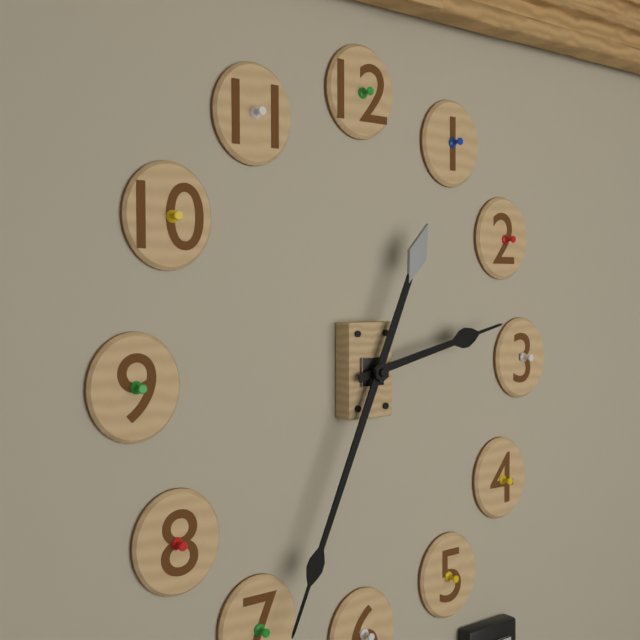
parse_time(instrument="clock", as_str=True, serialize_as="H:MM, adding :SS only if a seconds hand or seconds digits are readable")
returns 2:34
